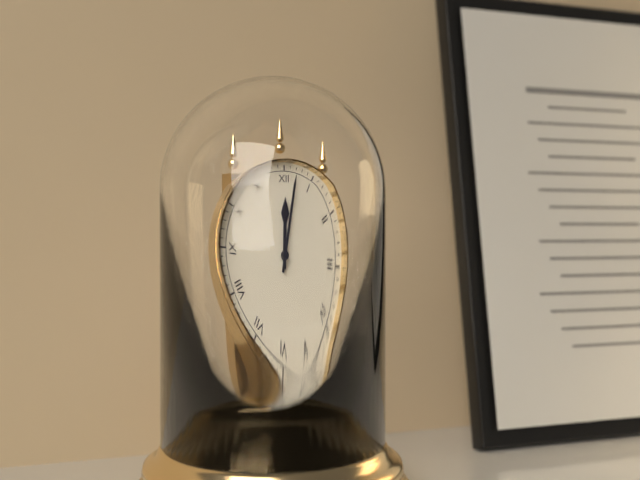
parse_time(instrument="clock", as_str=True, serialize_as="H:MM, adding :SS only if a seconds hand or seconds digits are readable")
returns 12:02
